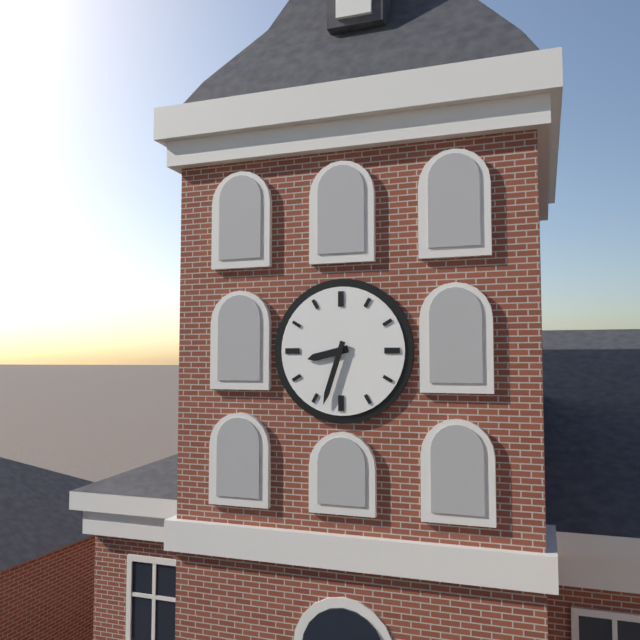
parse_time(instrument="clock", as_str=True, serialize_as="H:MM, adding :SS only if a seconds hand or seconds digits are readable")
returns 8:33
